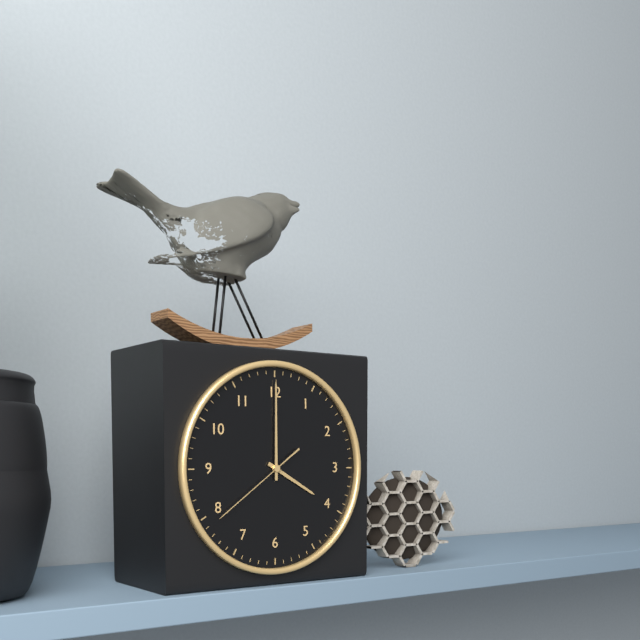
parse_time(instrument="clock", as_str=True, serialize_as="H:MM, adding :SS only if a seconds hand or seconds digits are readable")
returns 4:00:39
